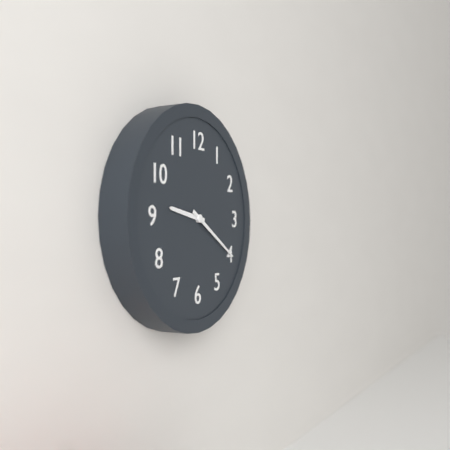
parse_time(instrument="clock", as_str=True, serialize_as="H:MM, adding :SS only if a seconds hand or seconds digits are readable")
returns 9:20
